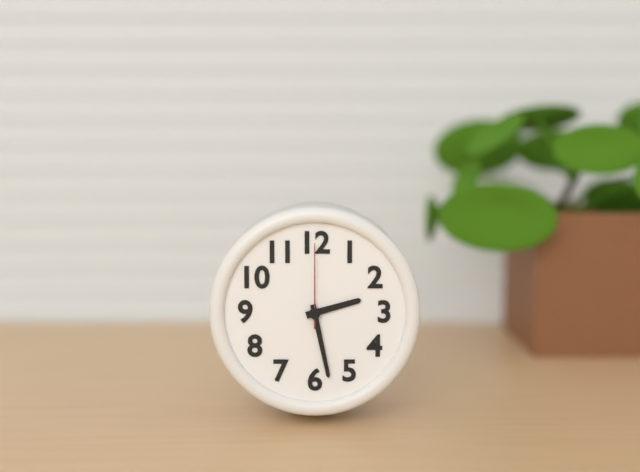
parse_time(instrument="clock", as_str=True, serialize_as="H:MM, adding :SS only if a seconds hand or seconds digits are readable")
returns 2:28:00
